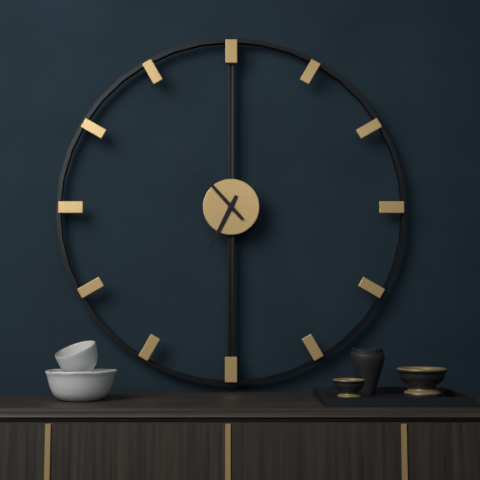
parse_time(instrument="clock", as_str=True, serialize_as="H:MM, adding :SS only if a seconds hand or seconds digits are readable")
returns 6:53
